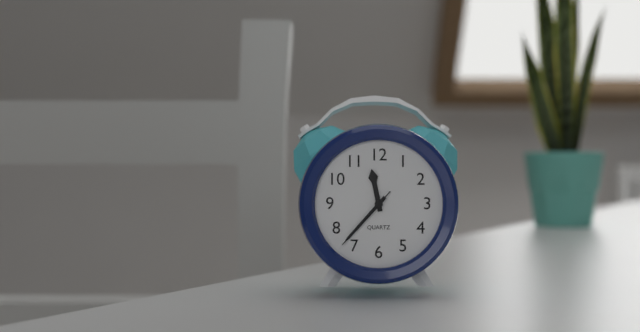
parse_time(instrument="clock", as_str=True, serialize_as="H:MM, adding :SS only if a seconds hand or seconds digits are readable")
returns 11:37:37
